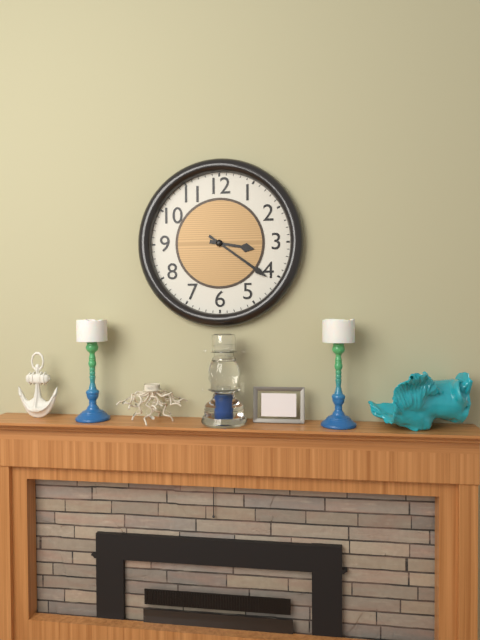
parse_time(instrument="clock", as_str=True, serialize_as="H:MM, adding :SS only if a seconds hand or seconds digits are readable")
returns 3:21
